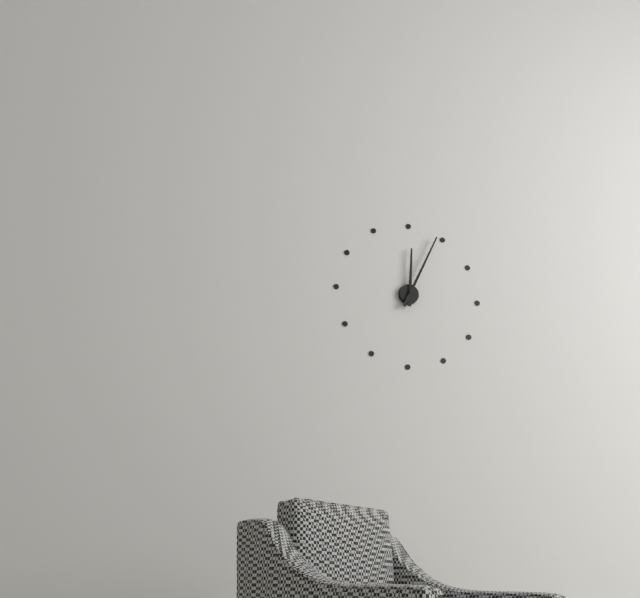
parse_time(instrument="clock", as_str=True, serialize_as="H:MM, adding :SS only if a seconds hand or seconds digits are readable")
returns 12:04
